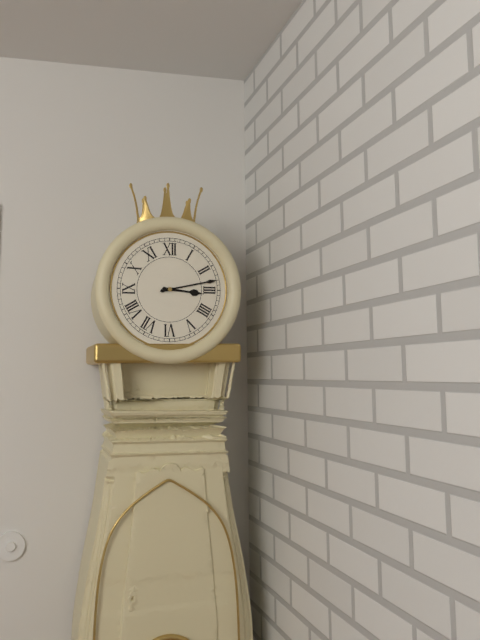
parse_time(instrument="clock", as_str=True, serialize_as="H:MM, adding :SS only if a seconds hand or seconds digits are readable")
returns 3:13
